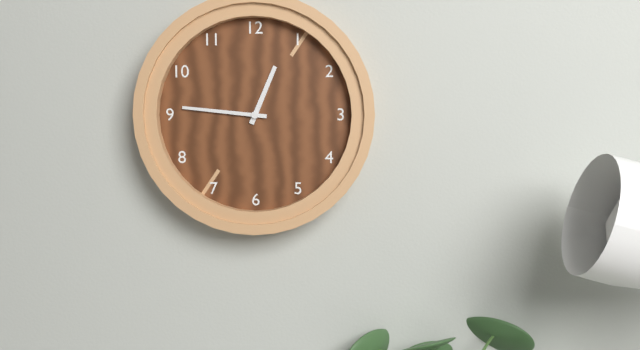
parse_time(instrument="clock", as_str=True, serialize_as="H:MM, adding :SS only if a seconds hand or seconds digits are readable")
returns 12:46
